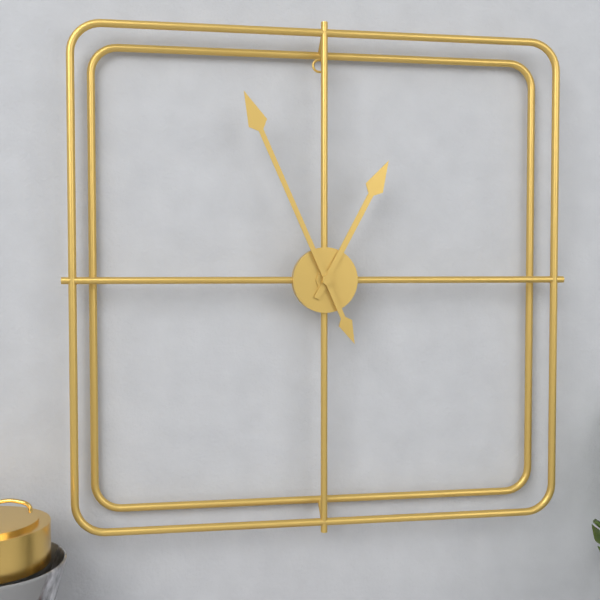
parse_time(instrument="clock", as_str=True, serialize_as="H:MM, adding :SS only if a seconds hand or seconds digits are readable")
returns 12:56
